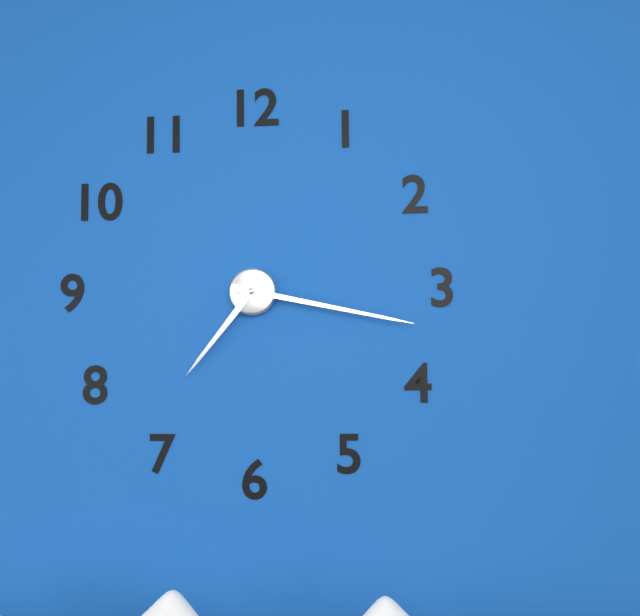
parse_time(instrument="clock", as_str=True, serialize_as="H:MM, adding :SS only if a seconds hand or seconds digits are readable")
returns 7:17
